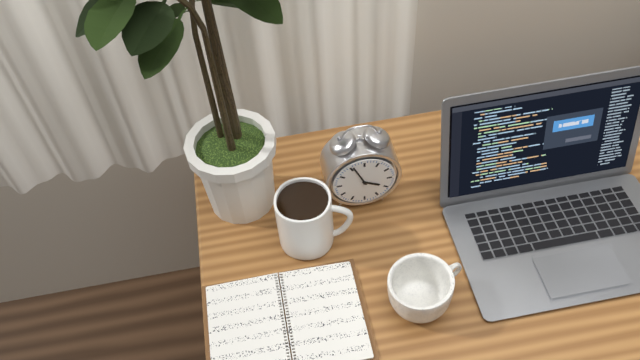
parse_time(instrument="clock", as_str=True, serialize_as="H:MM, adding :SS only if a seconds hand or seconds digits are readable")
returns 3:56
